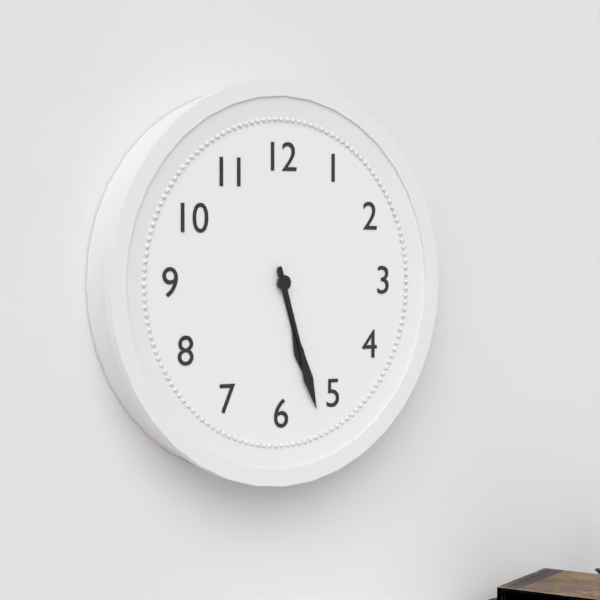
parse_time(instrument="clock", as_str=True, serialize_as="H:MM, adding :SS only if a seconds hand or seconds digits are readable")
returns 5:27
